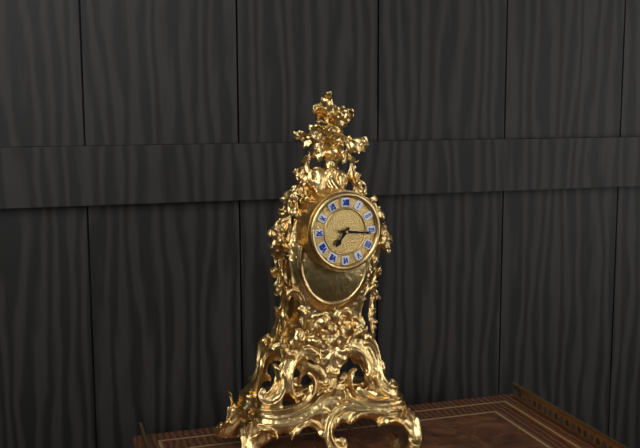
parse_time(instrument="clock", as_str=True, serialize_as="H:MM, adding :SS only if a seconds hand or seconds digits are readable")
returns 7:16
